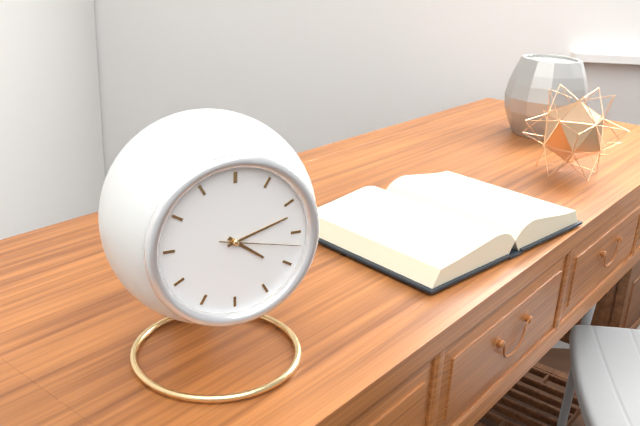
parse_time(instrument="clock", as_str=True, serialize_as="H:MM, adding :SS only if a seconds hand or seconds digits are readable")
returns 4:12:17
